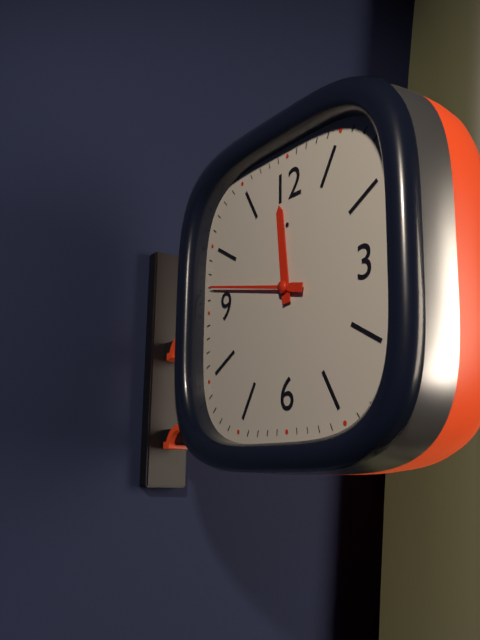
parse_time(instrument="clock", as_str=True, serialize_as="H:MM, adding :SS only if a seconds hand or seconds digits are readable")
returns 11:47
